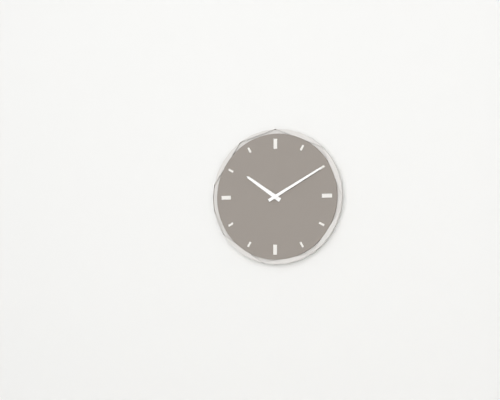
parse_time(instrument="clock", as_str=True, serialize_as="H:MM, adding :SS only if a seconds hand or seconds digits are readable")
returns 10:10
